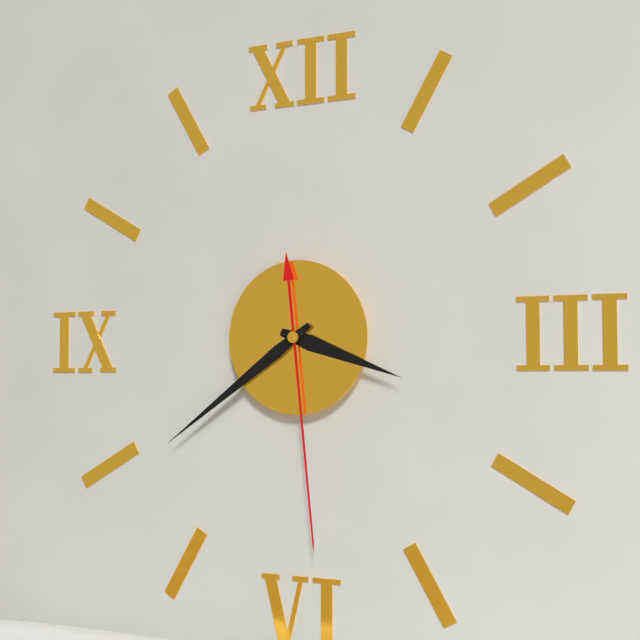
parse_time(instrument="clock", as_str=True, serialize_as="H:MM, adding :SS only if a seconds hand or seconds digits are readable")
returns 3:39:29
